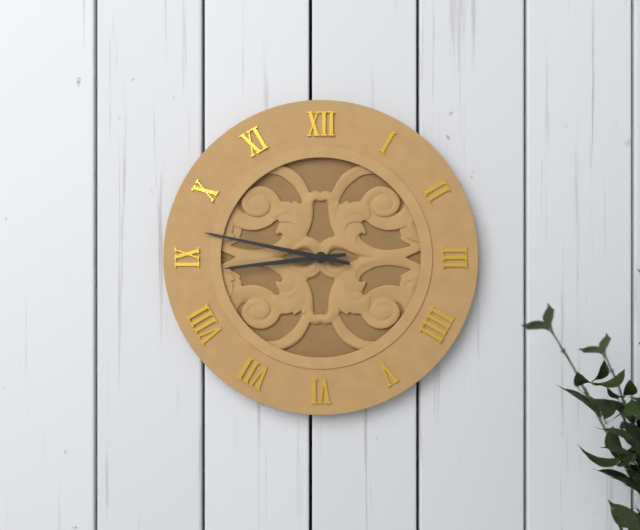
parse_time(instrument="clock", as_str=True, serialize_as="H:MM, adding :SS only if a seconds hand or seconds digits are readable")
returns 8:47
